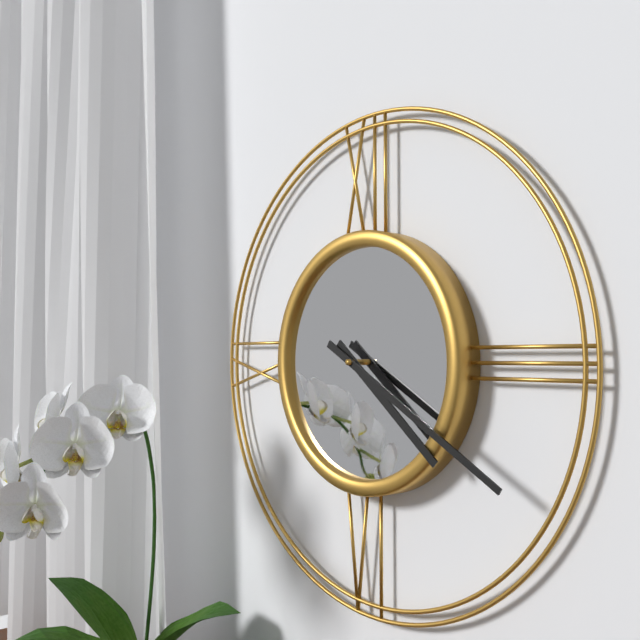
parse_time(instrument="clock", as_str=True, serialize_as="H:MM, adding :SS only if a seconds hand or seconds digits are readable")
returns 4:20
